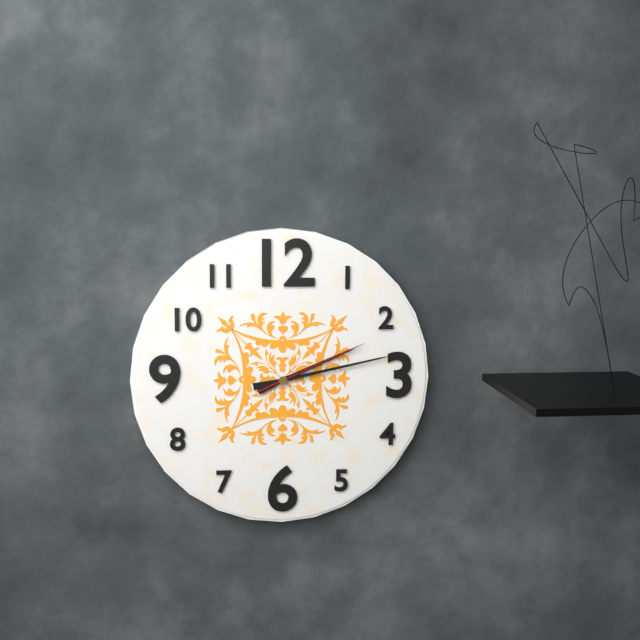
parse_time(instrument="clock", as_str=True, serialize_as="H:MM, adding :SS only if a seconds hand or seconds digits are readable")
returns 2:13:11
